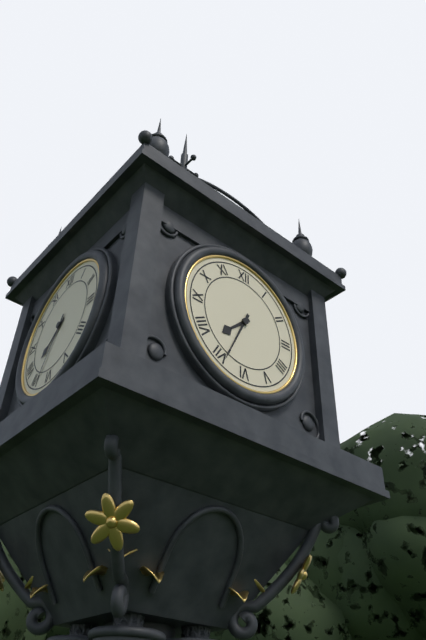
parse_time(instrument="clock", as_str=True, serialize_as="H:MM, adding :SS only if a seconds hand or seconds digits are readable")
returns 7:34
